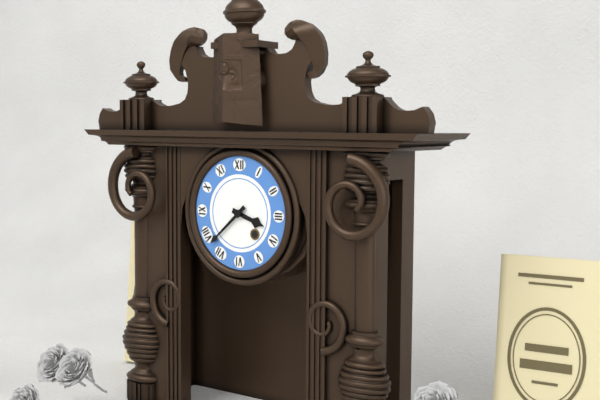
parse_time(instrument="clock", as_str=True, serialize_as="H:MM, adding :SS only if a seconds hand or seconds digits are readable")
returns 3:38
